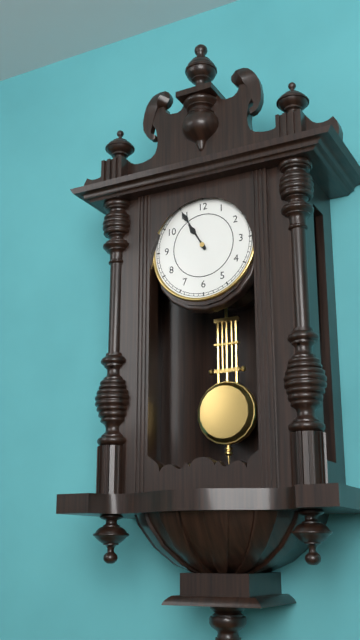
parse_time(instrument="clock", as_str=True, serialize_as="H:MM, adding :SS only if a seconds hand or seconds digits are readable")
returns 10:55
